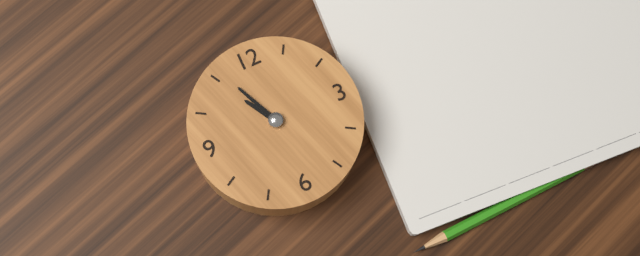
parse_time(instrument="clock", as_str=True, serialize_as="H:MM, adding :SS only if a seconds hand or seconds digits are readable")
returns 10:56
